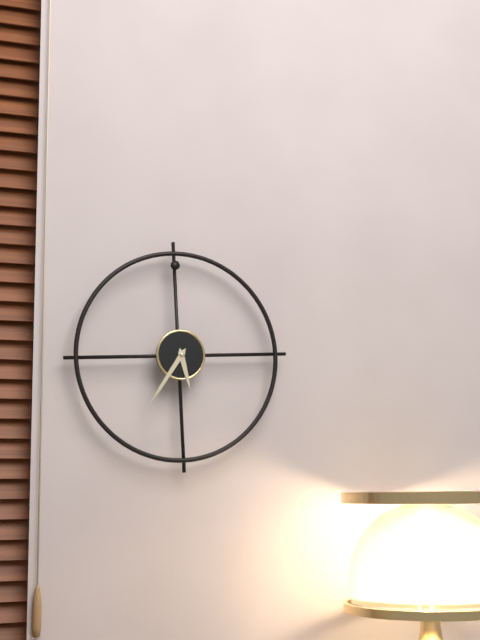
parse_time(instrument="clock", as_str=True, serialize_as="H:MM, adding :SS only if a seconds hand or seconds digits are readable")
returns 5:36
